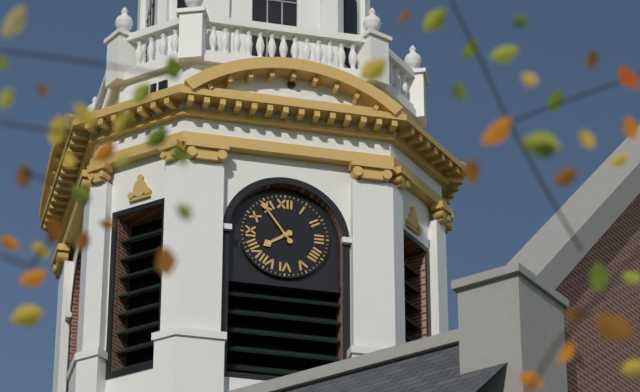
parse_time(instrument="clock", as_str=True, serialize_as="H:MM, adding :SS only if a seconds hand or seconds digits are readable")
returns 7:54
